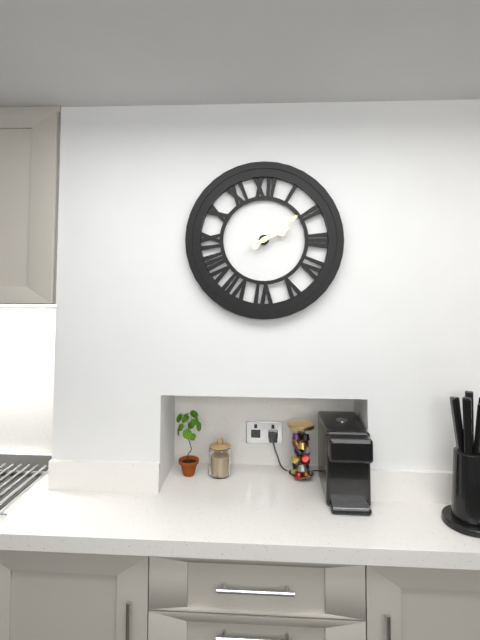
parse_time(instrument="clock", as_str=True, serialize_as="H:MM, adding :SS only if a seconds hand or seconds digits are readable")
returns 2:09
